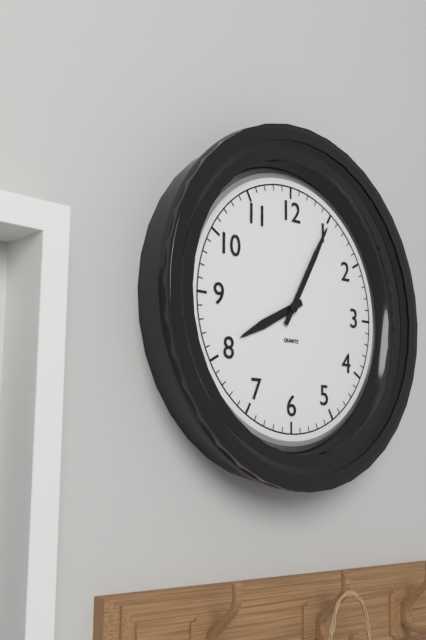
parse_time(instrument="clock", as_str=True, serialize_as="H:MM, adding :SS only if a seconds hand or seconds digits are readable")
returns 8:05
